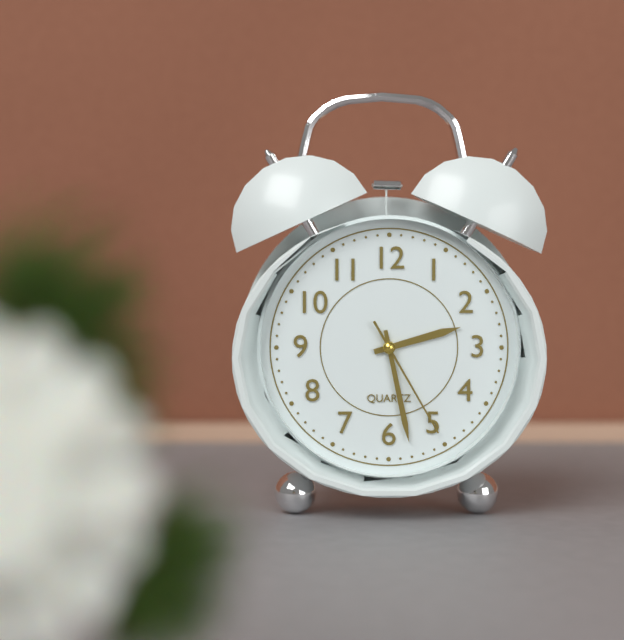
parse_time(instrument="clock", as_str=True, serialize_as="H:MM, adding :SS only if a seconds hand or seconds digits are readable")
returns 2:28:25
